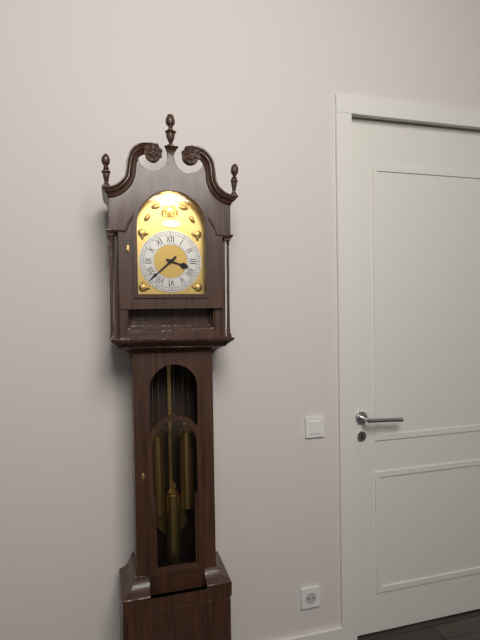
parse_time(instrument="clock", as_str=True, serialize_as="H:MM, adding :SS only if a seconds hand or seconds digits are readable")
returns 3:38
